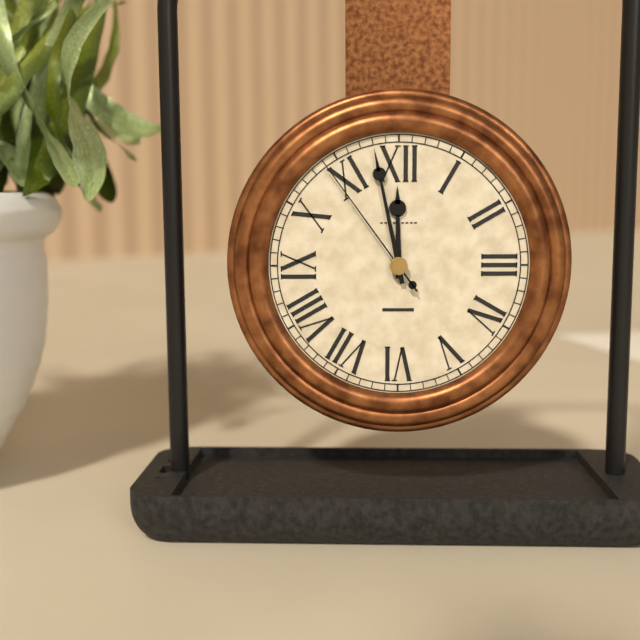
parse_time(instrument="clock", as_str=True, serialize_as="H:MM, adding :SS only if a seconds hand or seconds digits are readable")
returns 11:58:54
